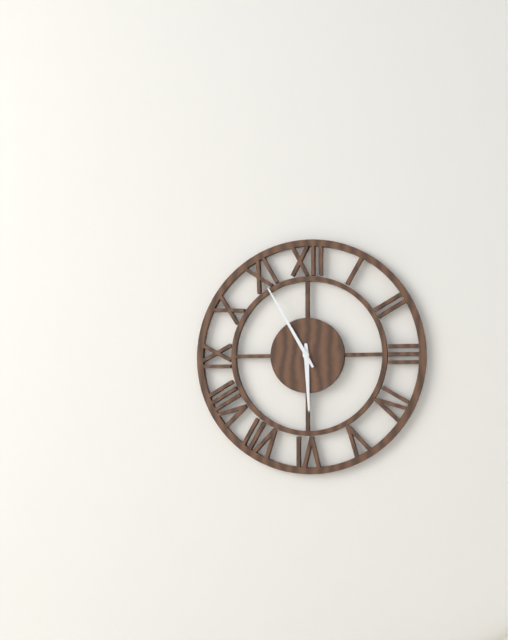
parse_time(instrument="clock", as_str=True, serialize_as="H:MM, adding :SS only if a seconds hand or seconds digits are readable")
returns 5:55
